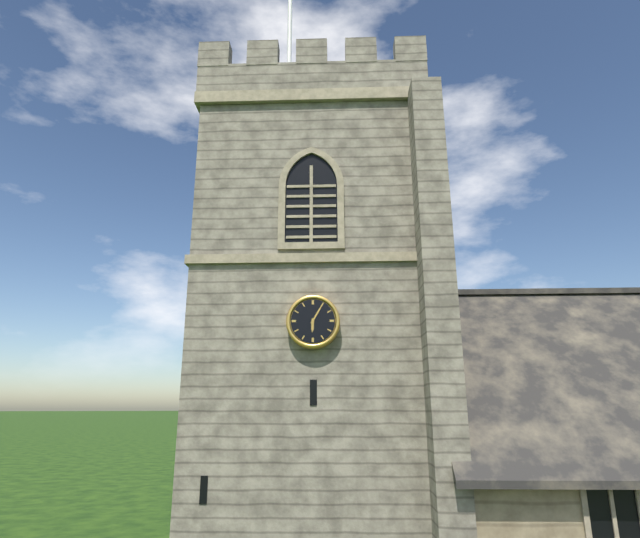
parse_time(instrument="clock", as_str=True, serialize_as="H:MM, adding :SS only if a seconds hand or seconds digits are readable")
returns 6:05
